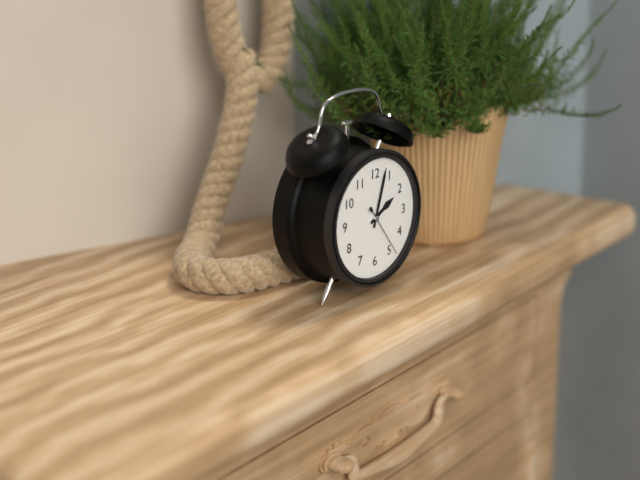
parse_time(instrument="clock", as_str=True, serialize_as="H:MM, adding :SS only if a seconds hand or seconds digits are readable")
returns 2:03:24
